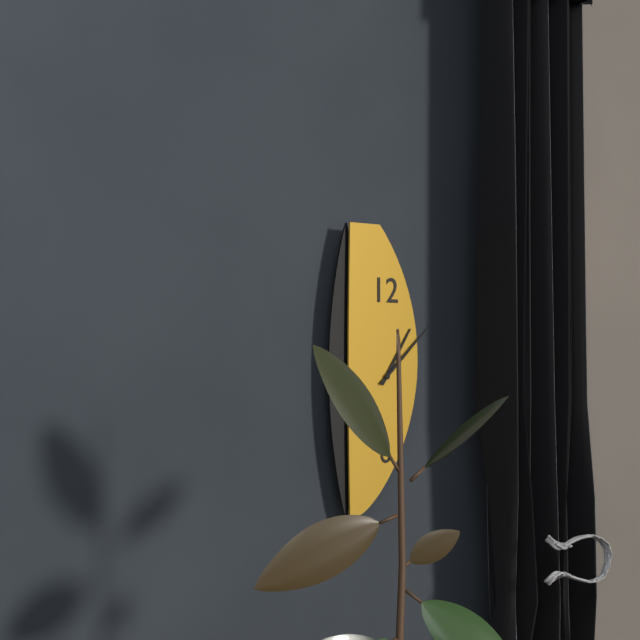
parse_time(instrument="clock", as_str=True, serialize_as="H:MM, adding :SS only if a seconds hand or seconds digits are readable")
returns 1:08
